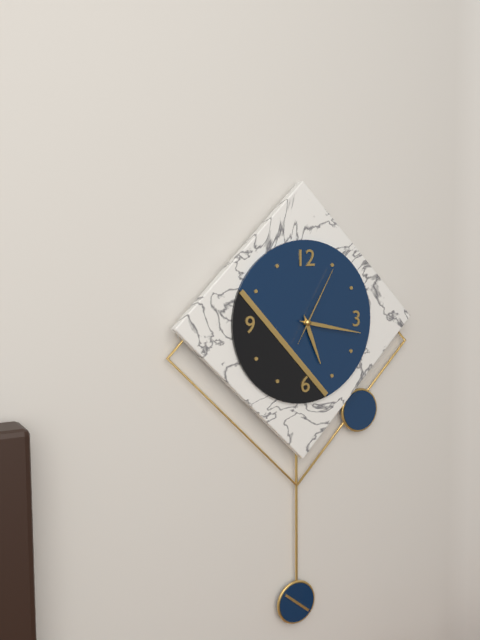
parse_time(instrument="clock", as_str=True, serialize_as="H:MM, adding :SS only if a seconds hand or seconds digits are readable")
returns 5:17:05
